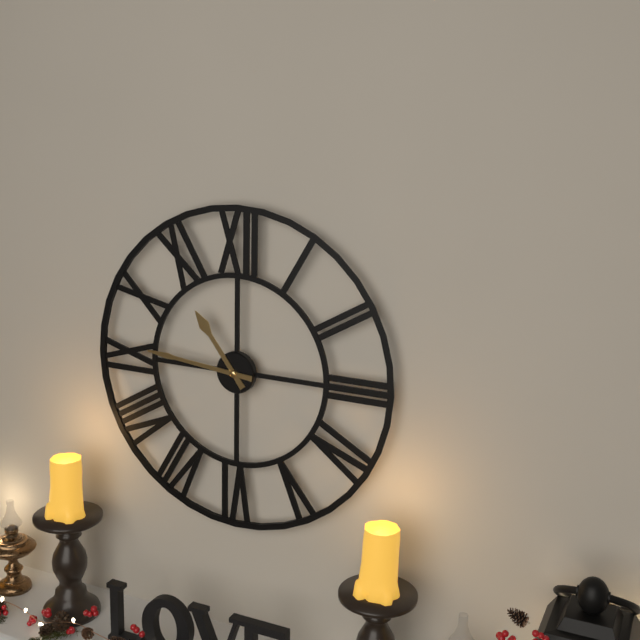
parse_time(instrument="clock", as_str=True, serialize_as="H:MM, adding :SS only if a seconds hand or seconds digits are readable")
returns 10:46
